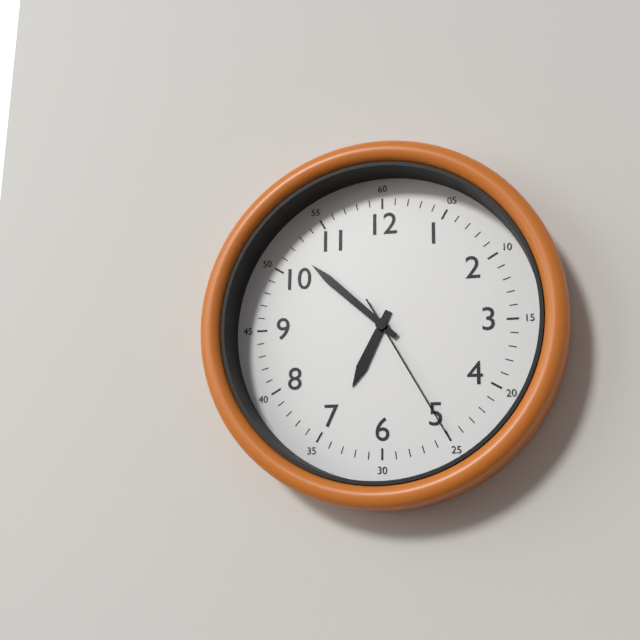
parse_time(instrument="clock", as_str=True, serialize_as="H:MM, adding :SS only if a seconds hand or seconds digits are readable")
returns 6:52:25
